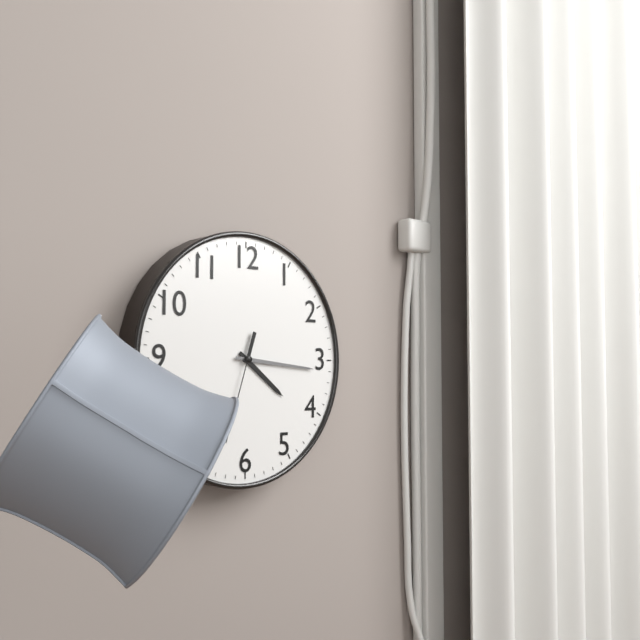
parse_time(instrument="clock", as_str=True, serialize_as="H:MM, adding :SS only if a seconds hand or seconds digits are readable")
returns 4:16
